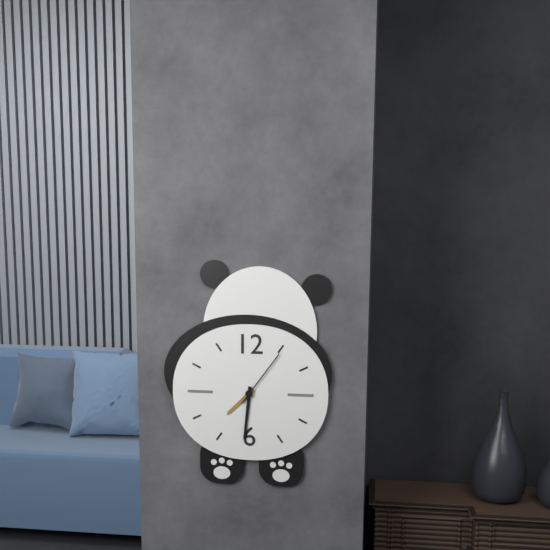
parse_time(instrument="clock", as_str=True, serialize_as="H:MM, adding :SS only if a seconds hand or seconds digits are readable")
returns 7:31:06
